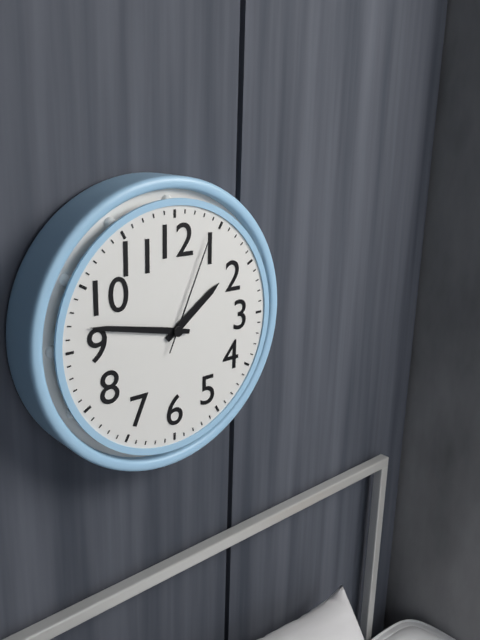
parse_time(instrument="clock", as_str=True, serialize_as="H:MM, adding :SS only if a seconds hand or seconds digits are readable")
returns 1:47:04
